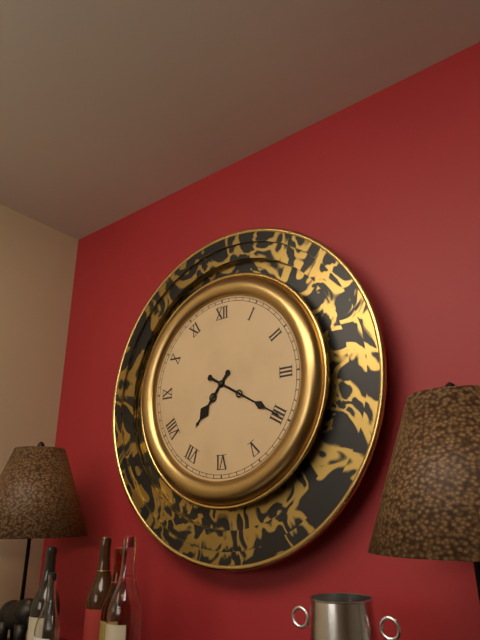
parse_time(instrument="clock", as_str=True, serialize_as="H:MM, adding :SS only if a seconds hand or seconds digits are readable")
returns 7:20
